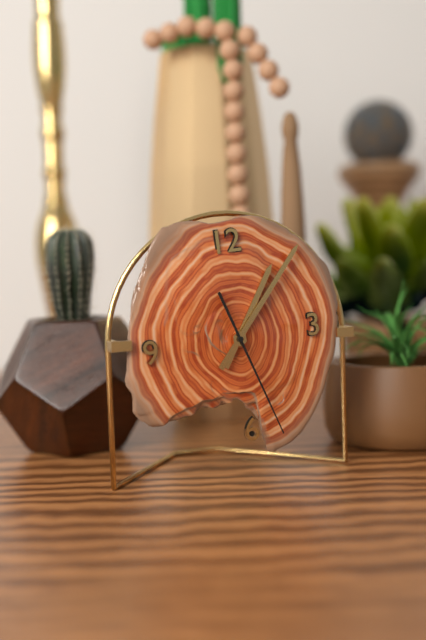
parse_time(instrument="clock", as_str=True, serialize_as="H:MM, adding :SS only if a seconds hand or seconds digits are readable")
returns 1:07:27
